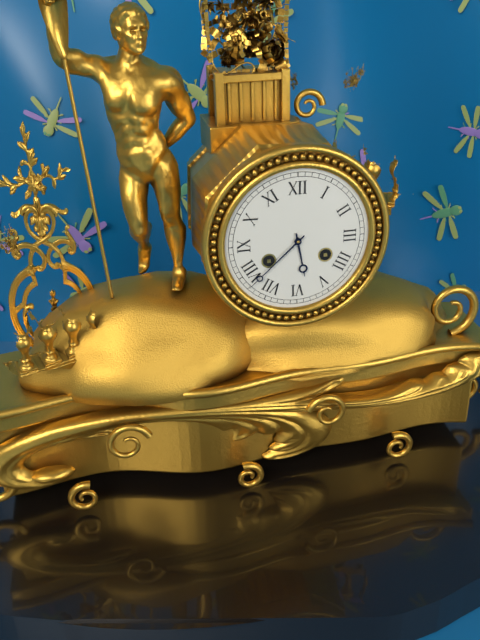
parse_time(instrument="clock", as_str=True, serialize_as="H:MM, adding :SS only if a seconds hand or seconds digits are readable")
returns 5:38
